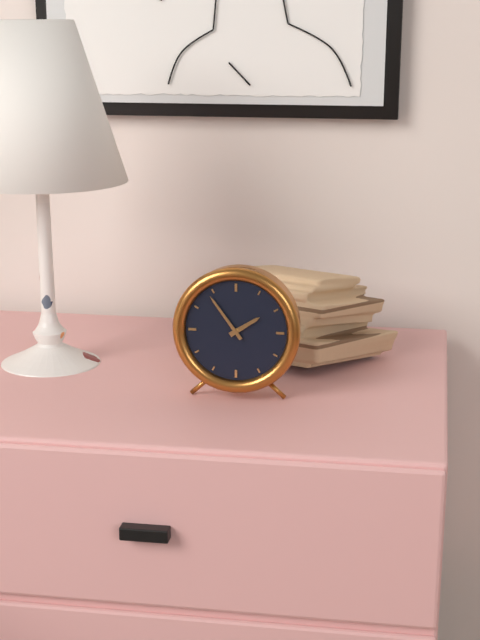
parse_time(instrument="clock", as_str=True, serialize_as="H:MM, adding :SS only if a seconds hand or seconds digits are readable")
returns 1:54
